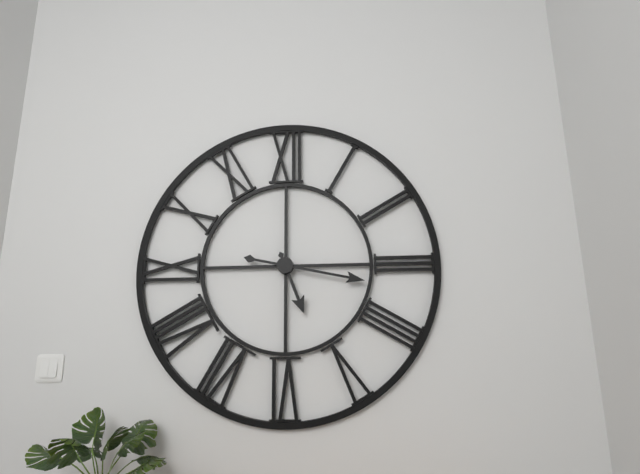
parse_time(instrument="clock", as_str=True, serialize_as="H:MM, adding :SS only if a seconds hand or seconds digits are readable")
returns 5:17
